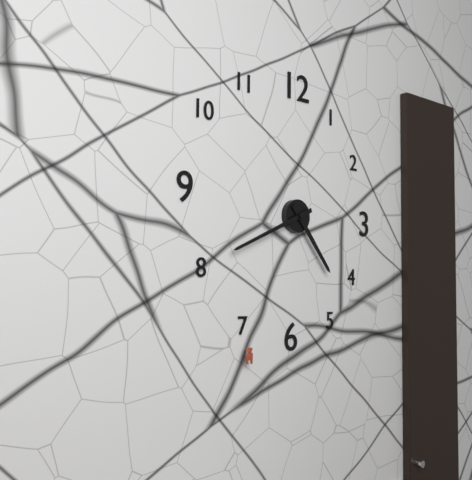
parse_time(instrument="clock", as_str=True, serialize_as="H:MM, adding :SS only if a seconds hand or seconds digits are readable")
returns 4:41
